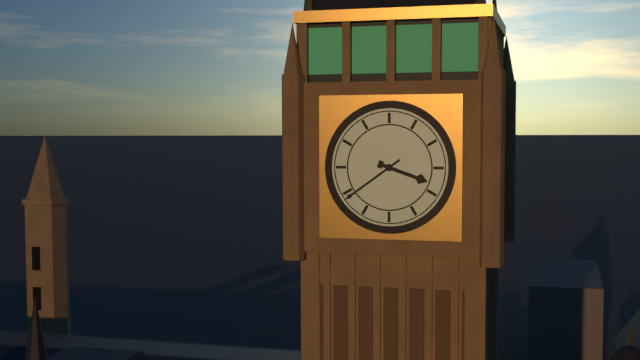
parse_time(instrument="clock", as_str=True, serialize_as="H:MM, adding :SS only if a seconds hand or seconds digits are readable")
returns 3:39
